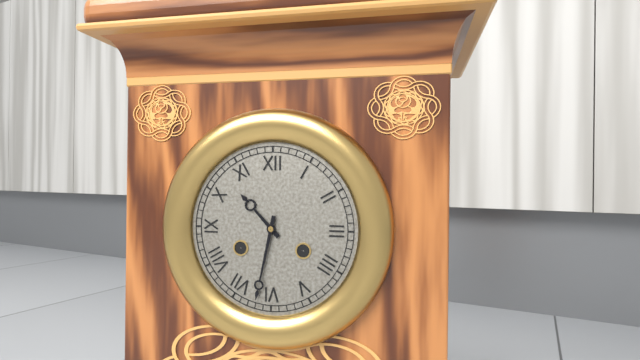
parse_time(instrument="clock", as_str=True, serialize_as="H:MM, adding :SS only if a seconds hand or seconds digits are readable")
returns 10:32
